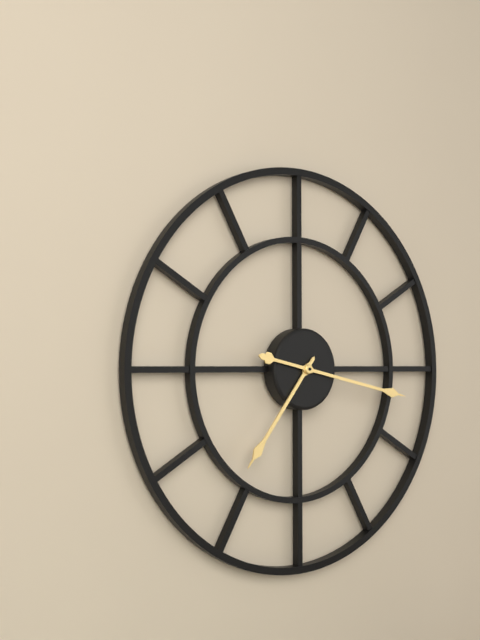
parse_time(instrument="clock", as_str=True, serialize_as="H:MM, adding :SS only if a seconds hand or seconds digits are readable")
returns 7:17
